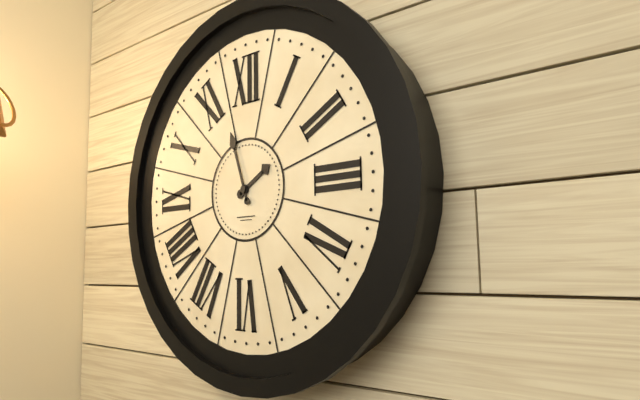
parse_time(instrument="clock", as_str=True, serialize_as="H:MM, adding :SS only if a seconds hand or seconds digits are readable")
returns 1:57
